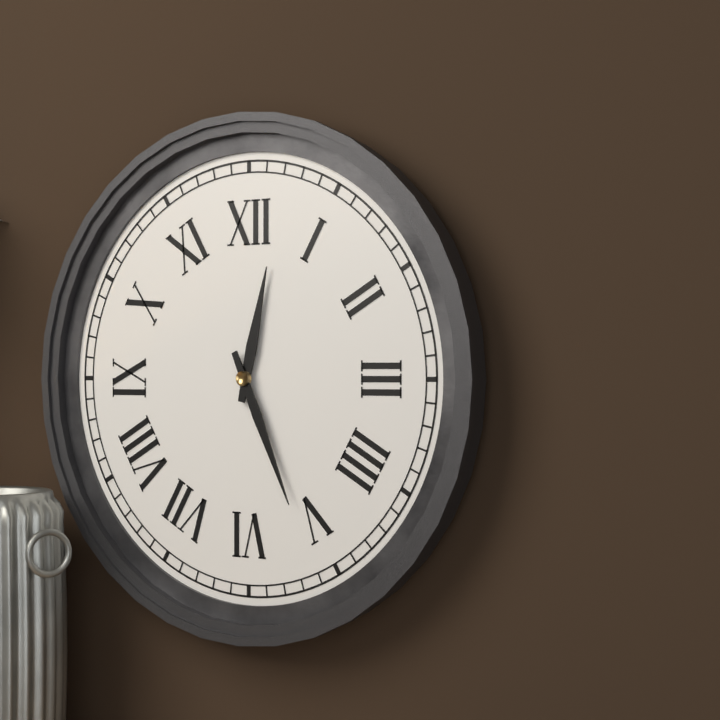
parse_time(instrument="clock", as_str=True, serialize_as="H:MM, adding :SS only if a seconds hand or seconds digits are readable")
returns 12:26
